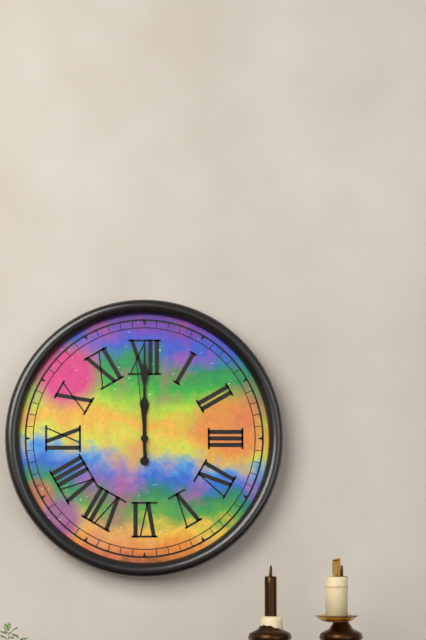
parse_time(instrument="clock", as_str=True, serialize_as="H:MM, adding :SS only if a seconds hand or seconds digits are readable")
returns 12:00:59
